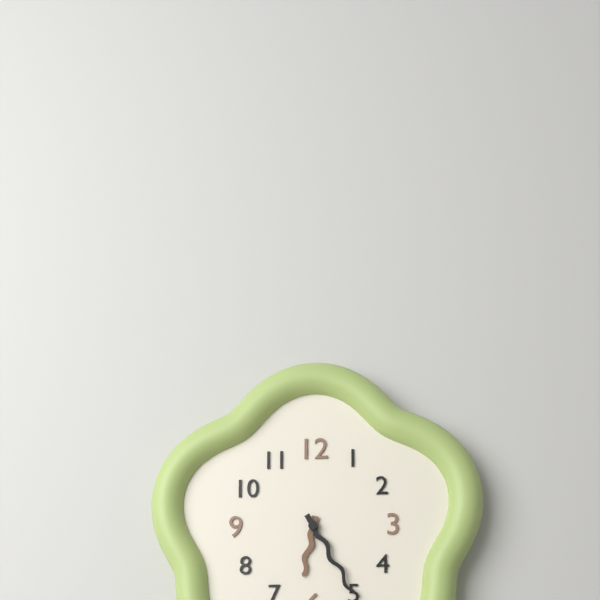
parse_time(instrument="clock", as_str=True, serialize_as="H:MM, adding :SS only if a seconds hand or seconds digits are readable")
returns 6:25
